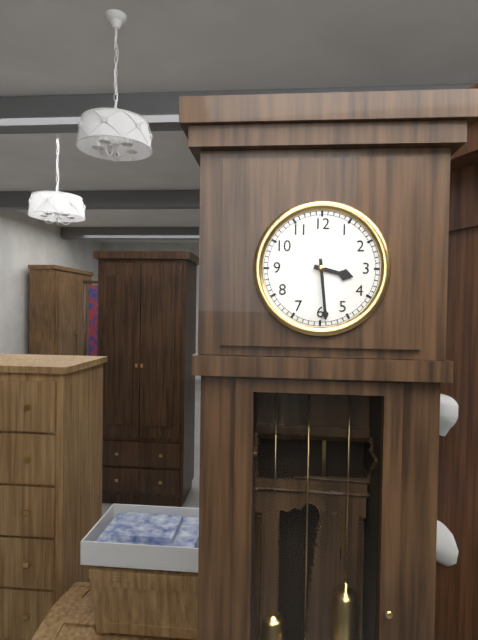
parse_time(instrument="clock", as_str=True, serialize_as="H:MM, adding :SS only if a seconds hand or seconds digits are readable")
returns 3:29
